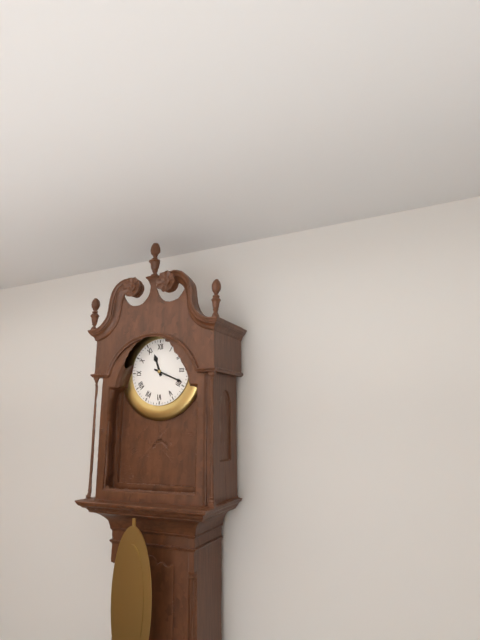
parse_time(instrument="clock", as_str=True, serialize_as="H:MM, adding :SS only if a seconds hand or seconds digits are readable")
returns 11:19
